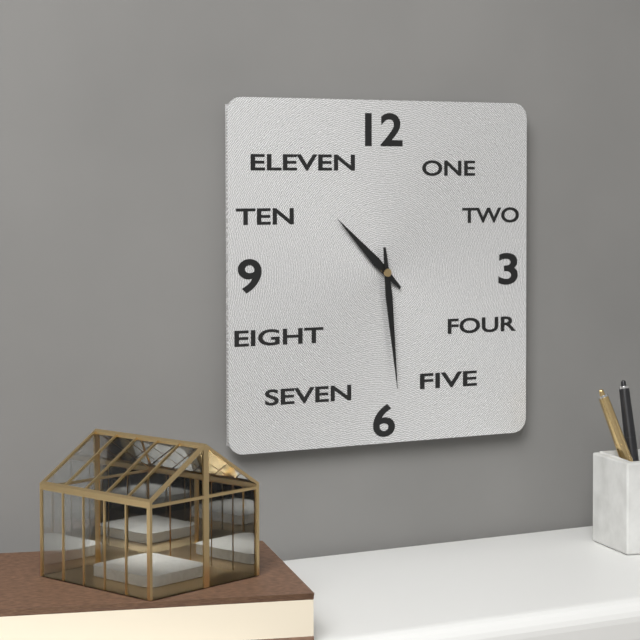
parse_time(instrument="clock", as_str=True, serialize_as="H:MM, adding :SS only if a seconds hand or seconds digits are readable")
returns 10:29
